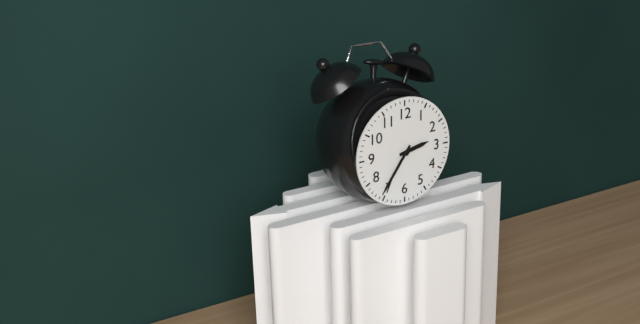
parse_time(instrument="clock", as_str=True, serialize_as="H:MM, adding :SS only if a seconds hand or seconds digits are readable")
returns 2:36
